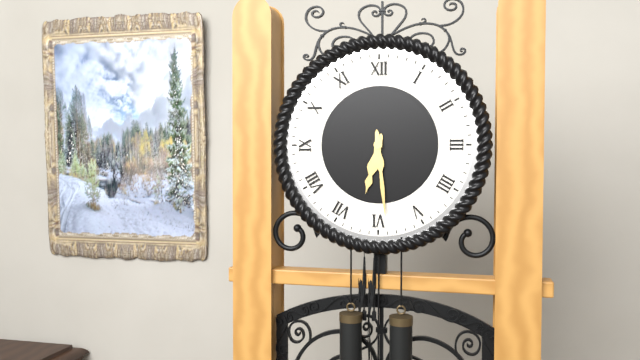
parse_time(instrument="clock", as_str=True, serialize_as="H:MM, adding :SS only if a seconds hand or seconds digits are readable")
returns 6:29
